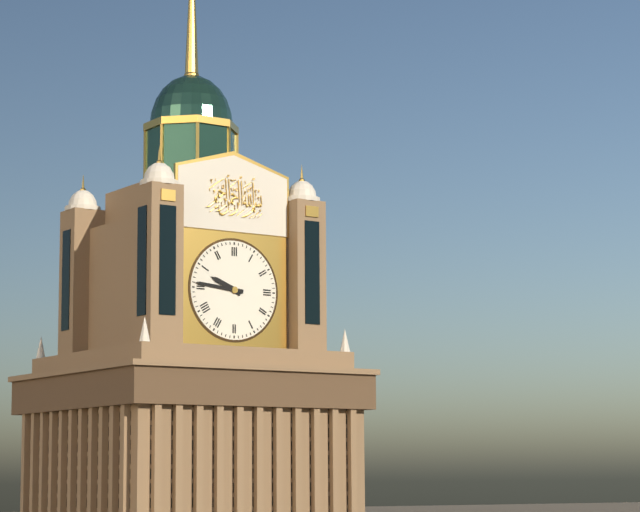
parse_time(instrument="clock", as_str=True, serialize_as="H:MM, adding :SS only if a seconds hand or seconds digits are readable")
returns 9:46
